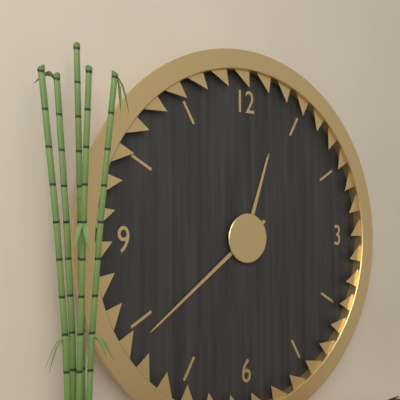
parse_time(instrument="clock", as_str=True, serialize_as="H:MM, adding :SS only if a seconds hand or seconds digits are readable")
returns 12:39
